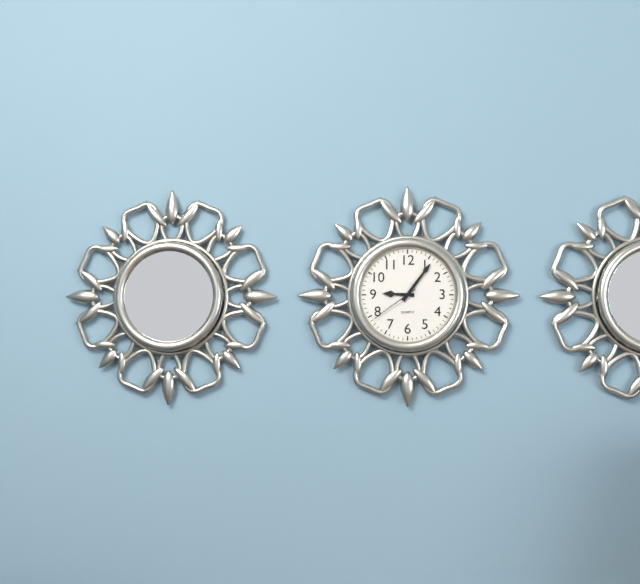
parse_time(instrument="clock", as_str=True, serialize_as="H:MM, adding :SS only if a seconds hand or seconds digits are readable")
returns 9:06:39
